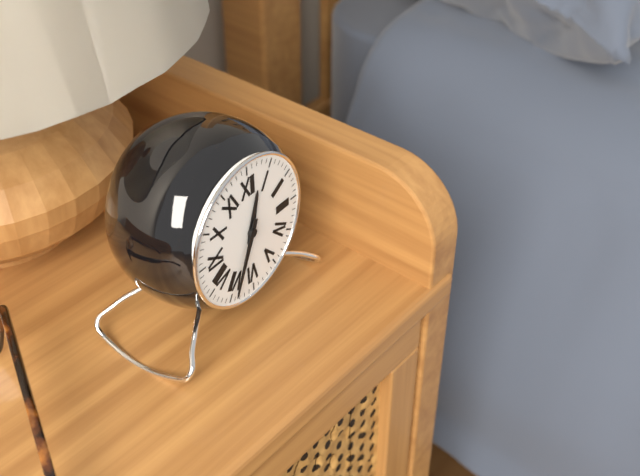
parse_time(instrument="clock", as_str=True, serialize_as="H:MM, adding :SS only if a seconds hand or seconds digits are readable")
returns 12:34
